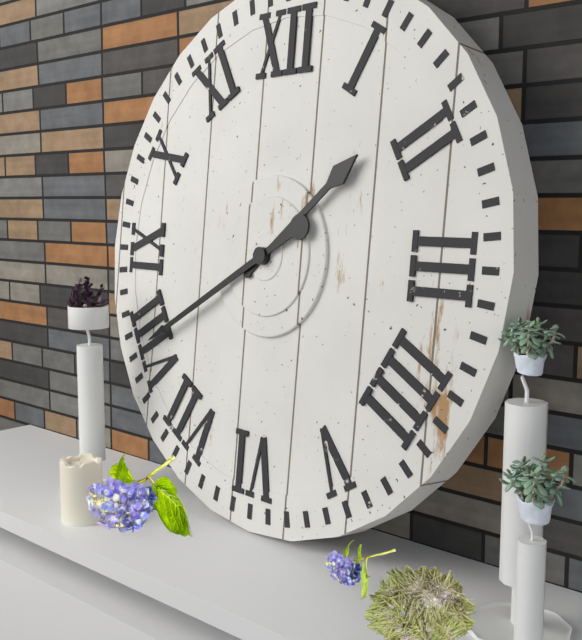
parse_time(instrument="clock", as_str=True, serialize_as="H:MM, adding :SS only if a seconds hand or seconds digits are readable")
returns 1:40
